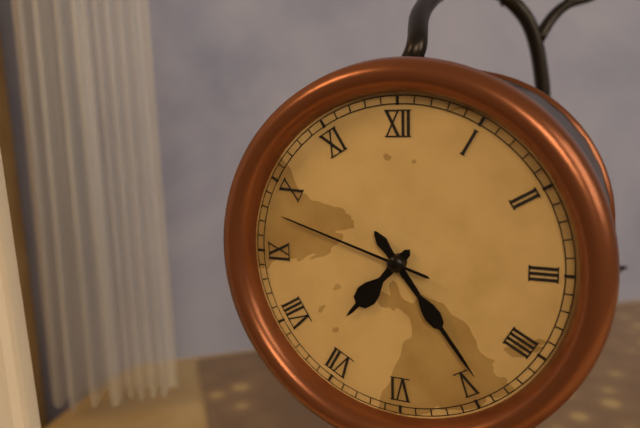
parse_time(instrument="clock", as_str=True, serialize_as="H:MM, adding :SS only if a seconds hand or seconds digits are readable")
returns 7:24:48
